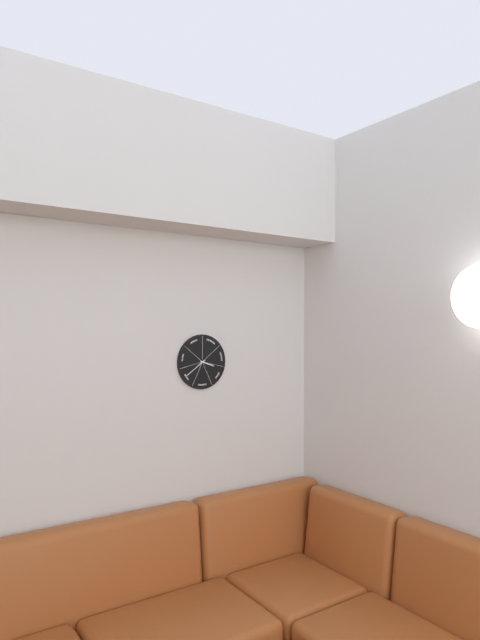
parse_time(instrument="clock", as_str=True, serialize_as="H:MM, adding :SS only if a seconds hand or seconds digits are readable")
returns 3:39
